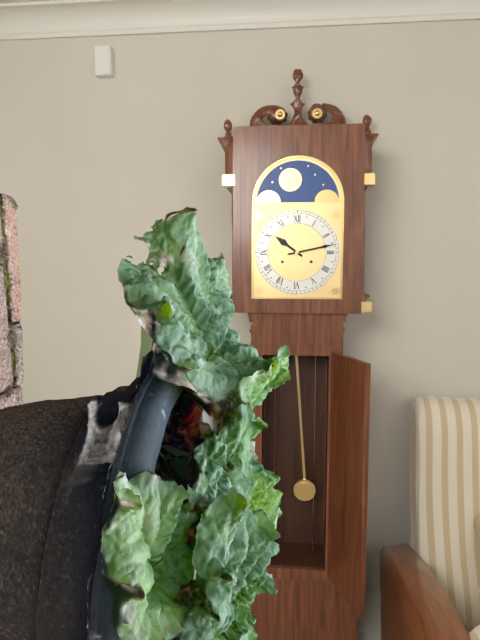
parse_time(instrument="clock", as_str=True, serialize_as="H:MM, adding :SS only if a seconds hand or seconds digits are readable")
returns 10:13
